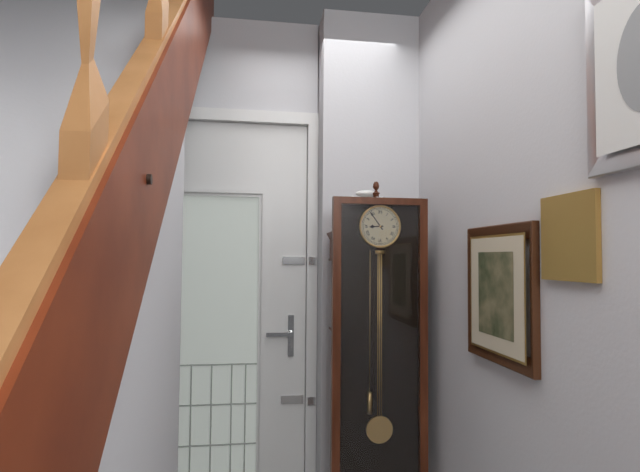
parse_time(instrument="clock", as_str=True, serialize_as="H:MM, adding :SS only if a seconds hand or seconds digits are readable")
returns 8:54
